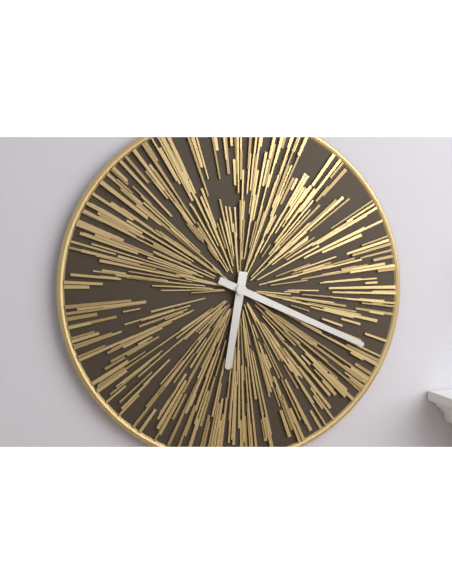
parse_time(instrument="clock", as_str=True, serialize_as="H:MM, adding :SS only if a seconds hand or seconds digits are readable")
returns 6:19
